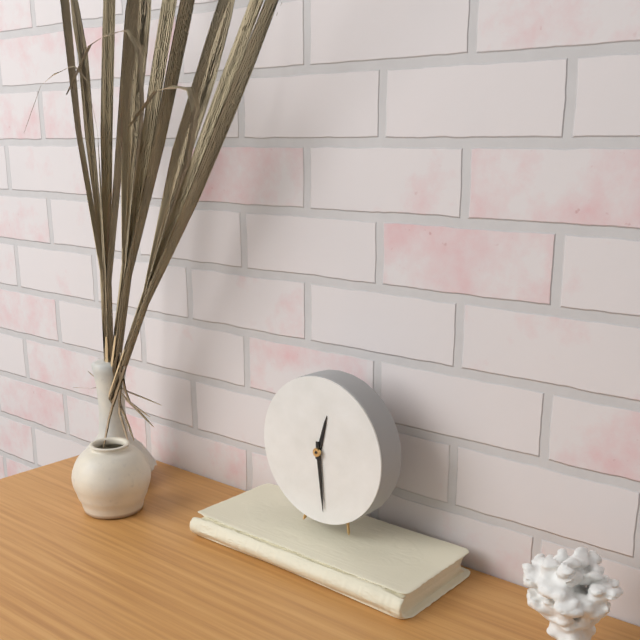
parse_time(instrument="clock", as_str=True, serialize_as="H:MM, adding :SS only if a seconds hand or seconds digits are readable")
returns 12:29
